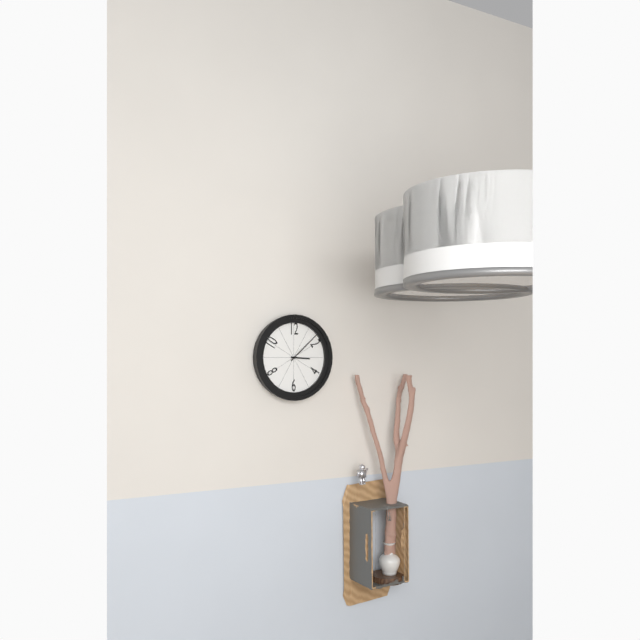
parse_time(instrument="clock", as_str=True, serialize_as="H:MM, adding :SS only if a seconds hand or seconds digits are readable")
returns 3:08
